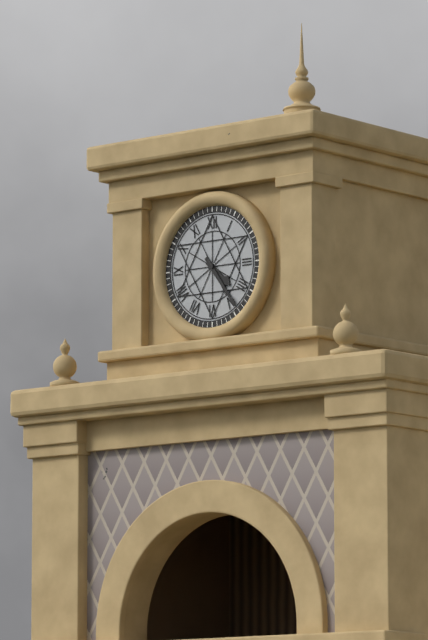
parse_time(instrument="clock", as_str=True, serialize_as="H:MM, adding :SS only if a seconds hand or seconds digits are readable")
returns 4:24
